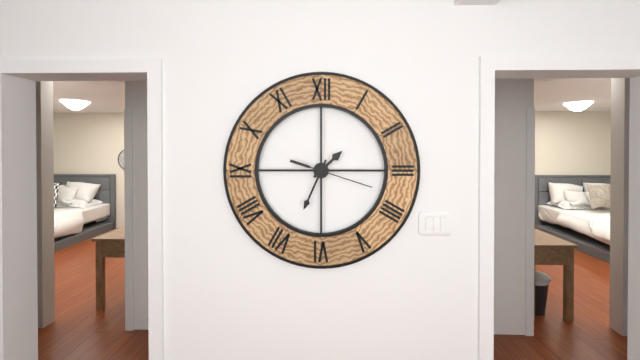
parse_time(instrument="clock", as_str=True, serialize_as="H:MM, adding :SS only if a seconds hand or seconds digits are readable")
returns 1:34:18
